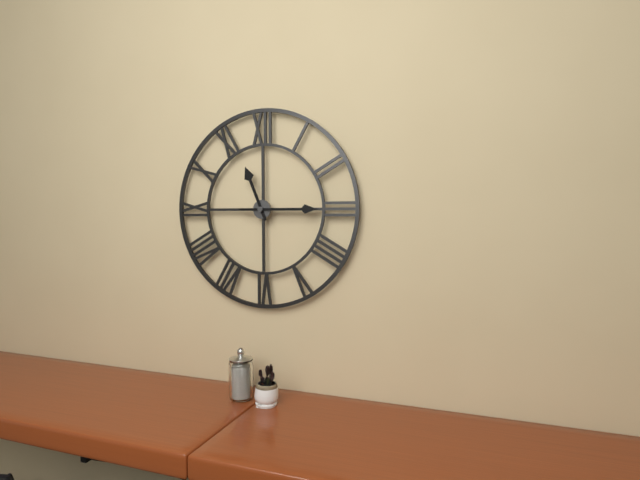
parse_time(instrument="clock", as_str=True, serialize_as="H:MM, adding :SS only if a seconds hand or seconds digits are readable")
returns 11:15
